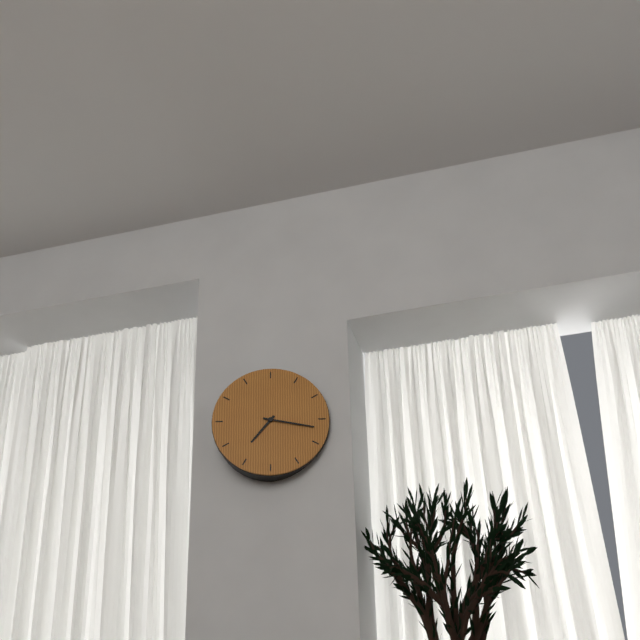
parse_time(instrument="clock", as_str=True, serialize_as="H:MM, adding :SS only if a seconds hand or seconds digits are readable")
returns 7:17
